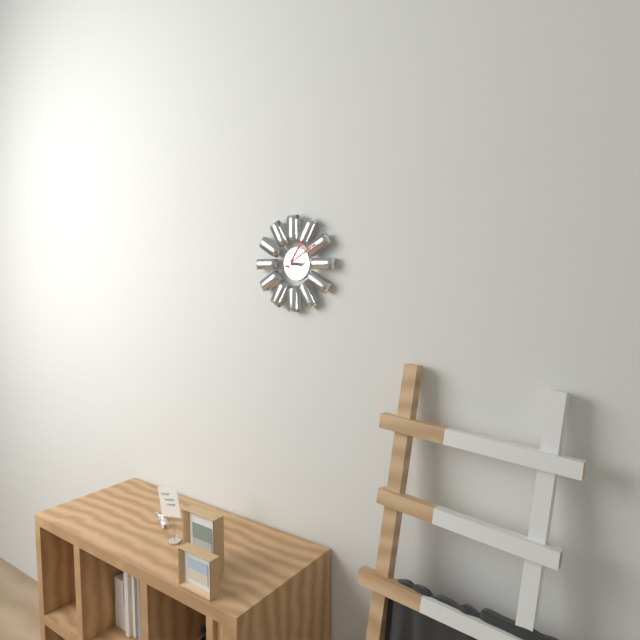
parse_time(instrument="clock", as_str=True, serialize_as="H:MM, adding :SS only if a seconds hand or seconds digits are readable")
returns 1:10
